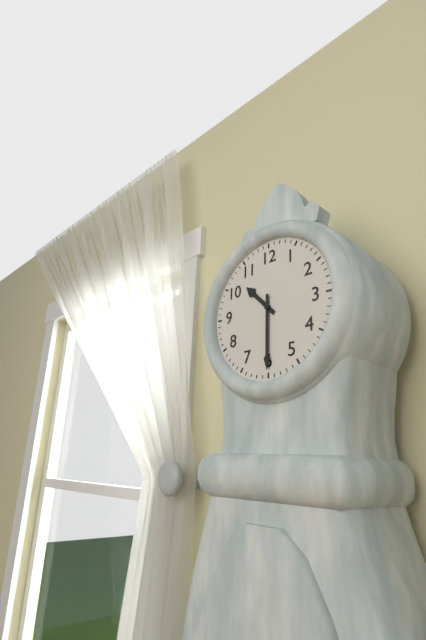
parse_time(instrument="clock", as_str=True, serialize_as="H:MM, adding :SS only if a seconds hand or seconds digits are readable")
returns 10:30
